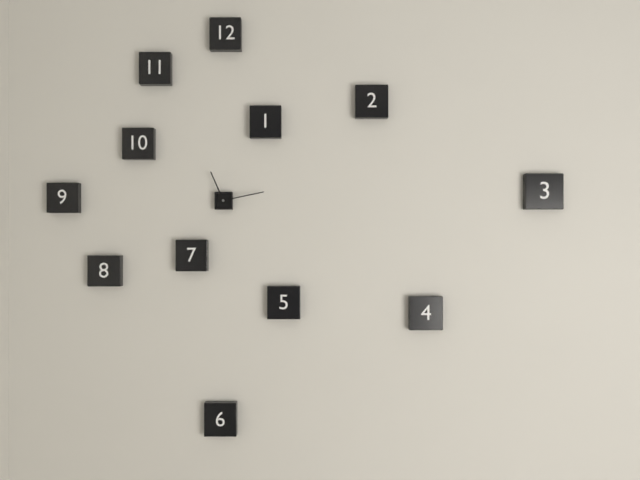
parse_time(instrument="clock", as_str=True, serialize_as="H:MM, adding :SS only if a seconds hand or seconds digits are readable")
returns 11:13
